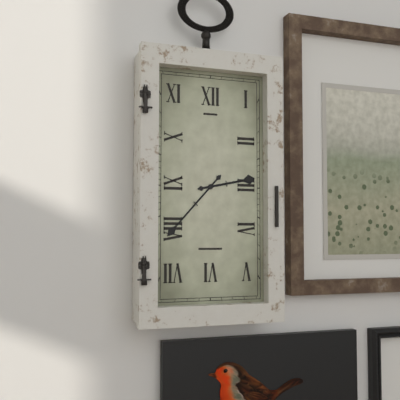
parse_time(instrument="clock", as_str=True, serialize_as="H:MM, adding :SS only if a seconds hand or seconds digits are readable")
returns 2:37
